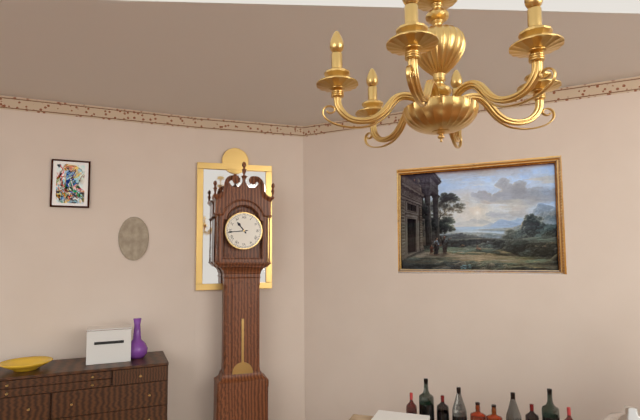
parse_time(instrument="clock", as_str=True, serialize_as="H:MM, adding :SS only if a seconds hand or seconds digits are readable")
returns 10:44
